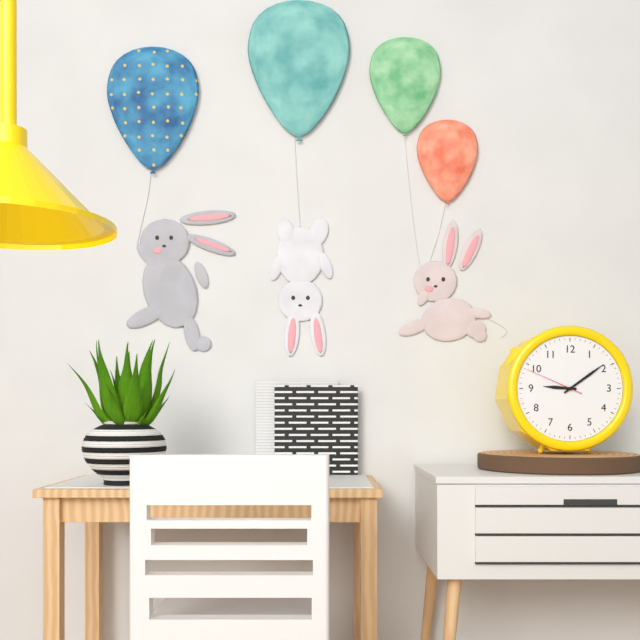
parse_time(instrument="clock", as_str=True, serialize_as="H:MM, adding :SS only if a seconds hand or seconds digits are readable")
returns 9:09:49
